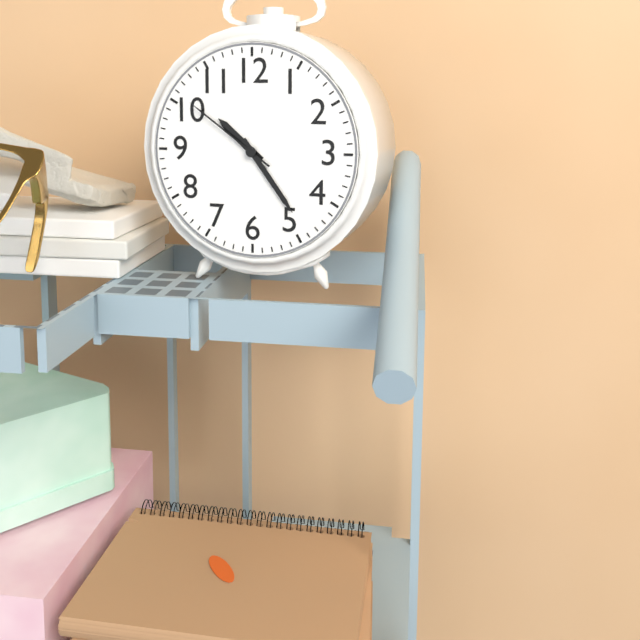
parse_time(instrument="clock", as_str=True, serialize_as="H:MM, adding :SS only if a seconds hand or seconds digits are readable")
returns 10:24:51
